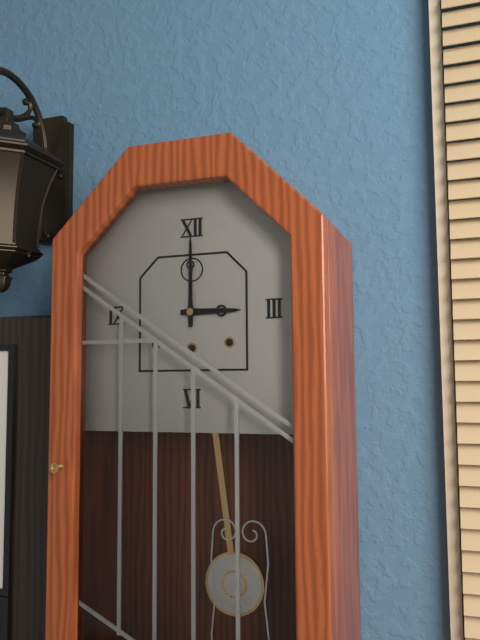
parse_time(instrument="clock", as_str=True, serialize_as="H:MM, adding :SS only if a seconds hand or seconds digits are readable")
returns 3:00
